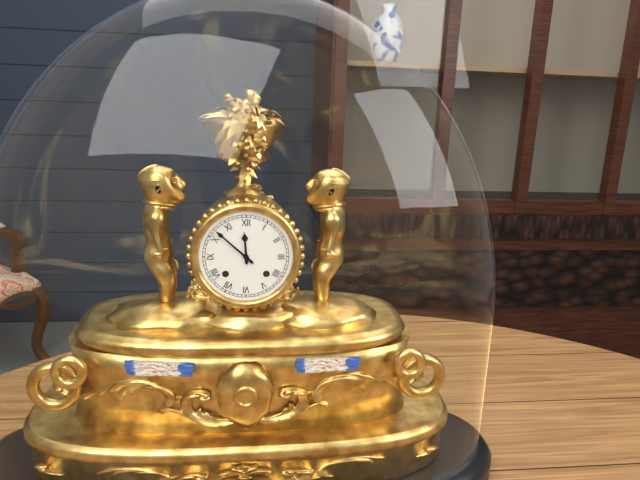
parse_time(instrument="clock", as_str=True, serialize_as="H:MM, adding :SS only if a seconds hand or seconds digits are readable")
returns 11:52
